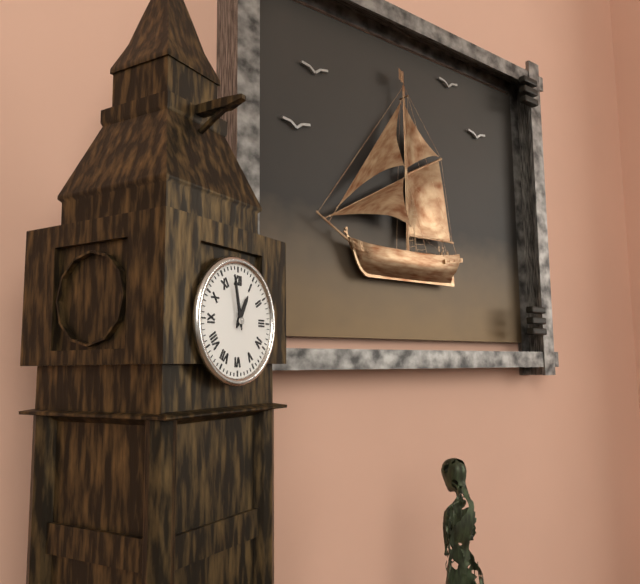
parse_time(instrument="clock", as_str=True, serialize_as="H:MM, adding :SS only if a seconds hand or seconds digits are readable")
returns 12:58
